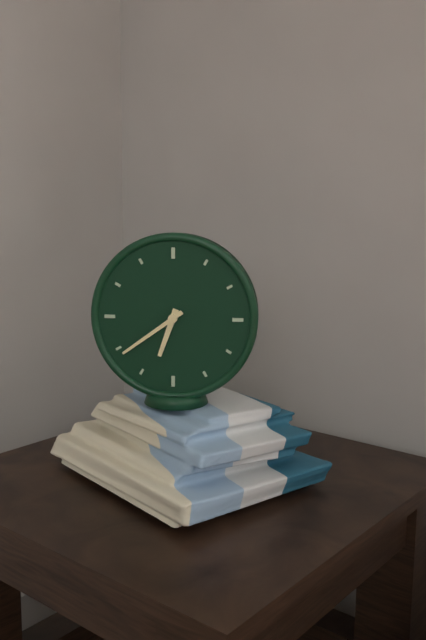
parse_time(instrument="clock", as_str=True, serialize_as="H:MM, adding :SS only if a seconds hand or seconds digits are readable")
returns 6:39
